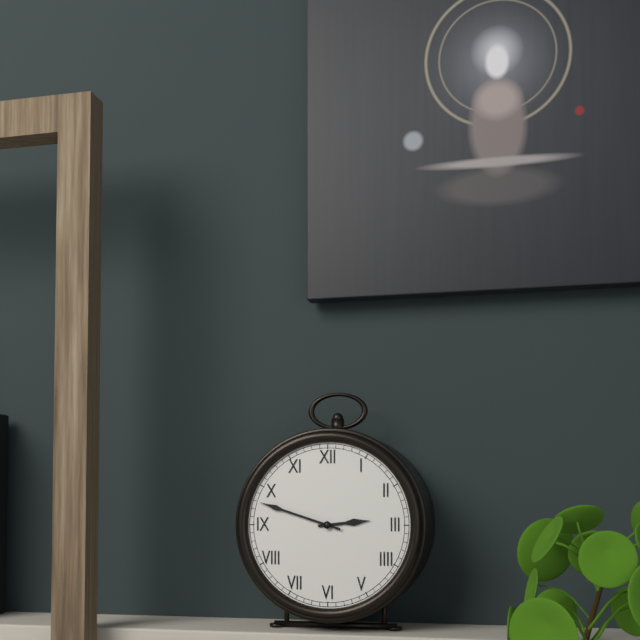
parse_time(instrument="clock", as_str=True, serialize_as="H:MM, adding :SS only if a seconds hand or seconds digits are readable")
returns 2:48
